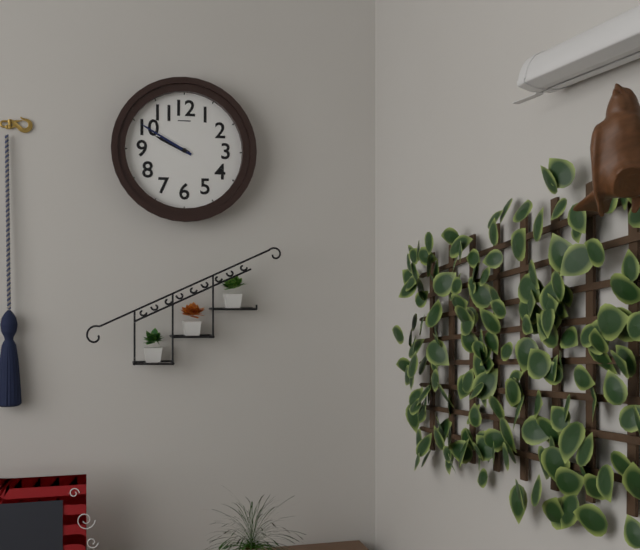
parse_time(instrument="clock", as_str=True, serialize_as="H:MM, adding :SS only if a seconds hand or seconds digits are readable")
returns 9:50
